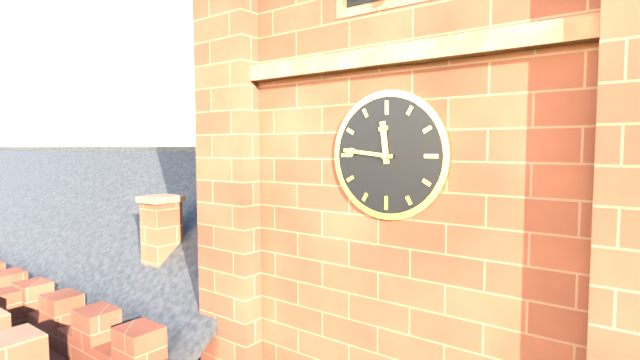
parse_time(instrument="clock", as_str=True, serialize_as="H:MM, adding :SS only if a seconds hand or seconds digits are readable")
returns 11:46
